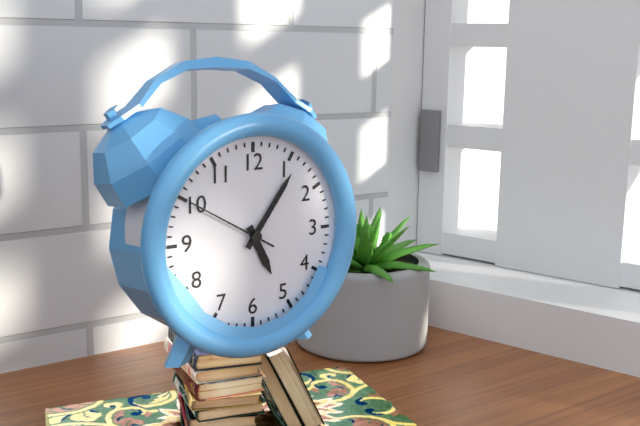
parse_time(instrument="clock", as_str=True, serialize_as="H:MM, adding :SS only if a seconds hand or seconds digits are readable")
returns 5:06:50
